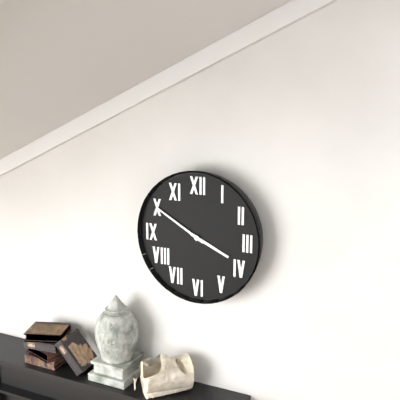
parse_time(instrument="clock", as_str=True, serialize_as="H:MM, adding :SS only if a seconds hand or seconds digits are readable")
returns 3:50
